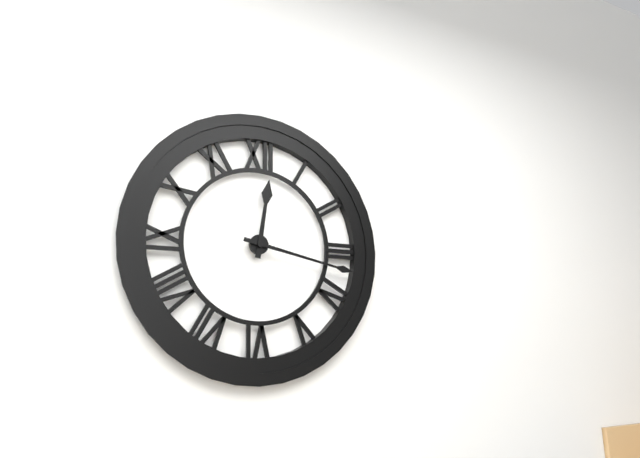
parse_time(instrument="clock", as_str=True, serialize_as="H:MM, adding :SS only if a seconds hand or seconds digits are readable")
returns 12:17
